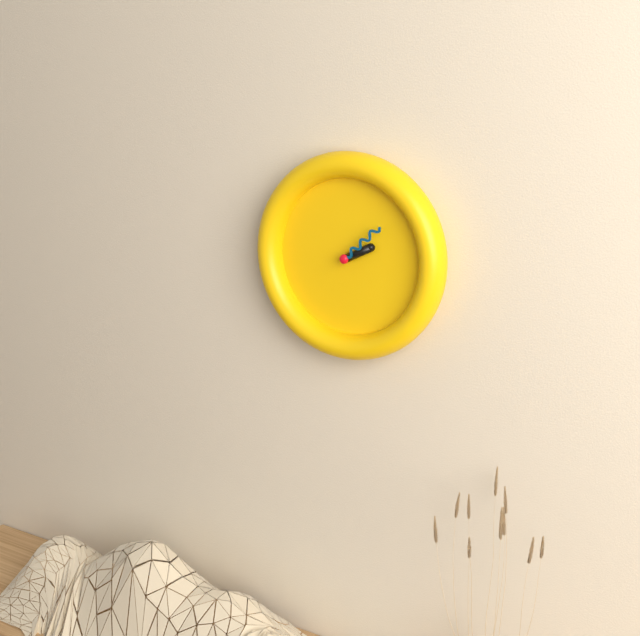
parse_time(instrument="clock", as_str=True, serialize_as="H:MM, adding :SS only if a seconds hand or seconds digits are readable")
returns 2:08
